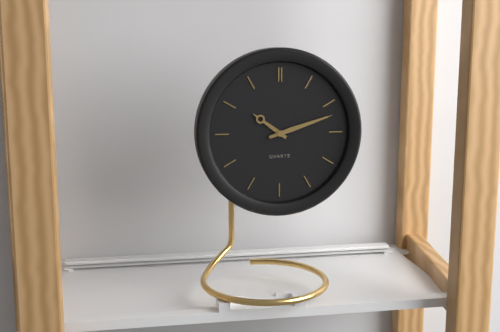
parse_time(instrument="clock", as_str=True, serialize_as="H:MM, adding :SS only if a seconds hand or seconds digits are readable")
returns 10:12
